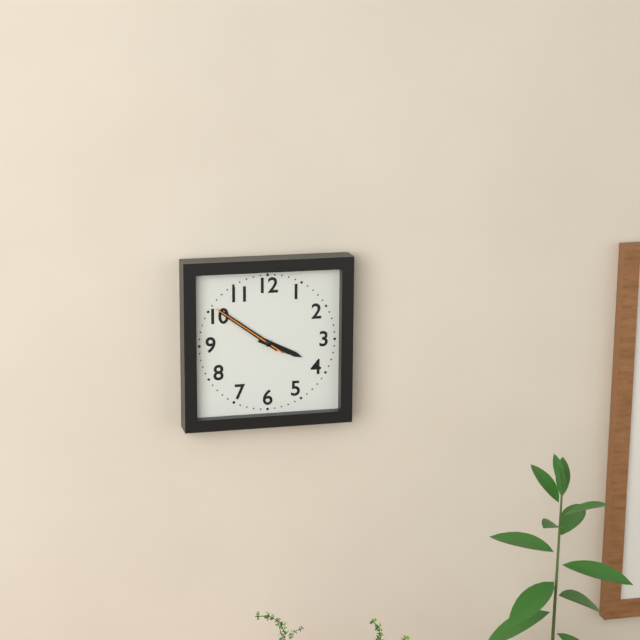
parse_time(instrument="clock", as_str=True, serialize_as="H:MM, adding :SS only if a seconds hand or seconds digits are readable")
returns 3:51:51
